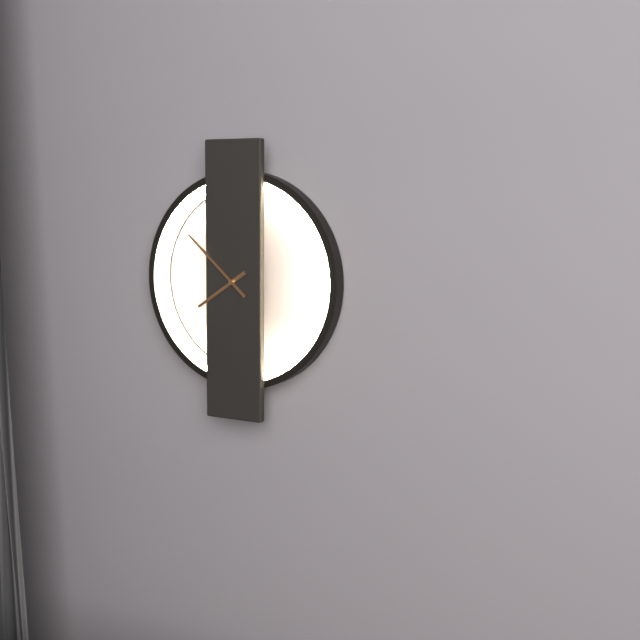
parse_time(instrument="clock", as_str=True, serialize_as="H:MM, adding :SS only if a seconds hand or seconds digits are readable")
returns 7:52
